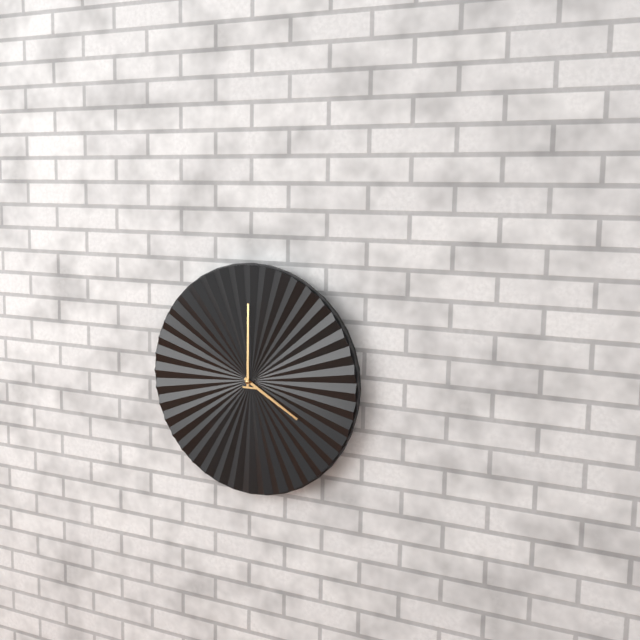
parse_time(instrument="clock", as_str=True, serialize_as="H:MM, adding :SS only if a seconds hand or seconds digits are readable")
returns 4:00
